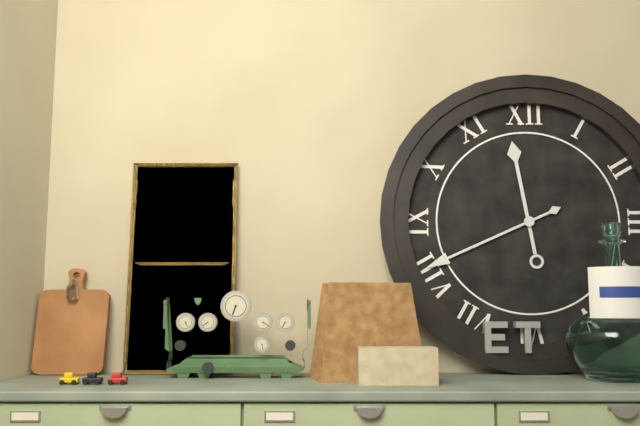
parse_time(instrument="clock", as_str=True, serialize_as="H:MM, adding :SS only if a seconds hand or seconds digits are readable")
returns 11:41
